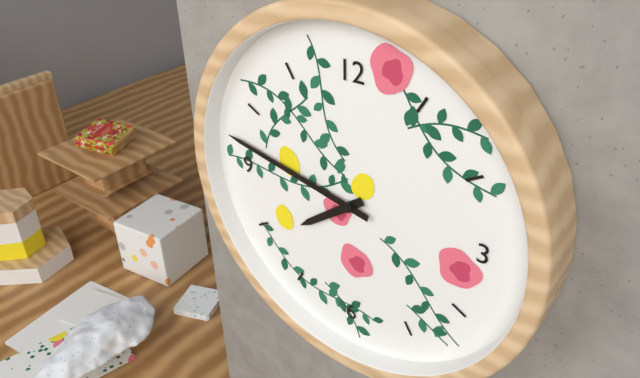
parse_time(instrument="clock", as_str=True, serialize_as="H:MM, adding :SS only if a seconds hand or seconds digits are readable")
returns 7:47
